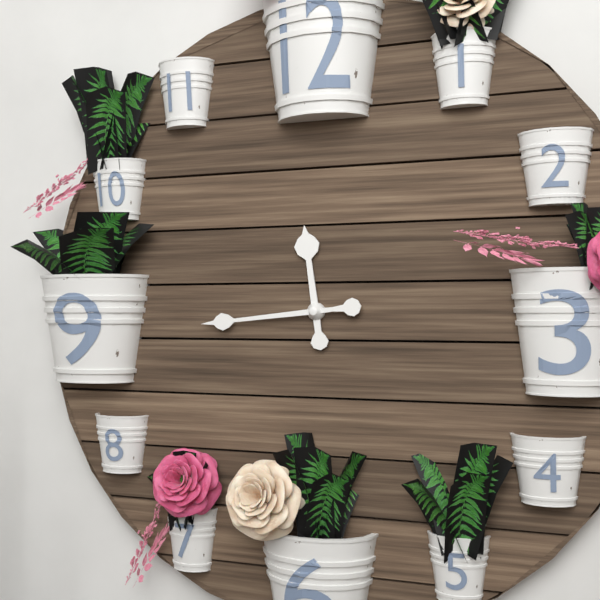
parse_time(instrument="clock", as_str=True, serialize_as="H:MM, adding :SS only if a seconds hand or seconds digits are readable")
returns 11:44
